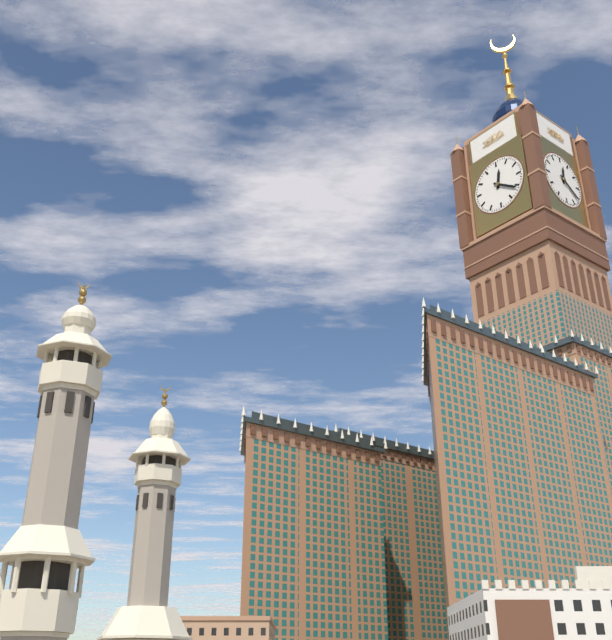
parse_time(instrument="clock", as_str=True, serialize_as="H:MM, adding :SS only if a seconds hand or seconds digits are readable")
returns 12:21
